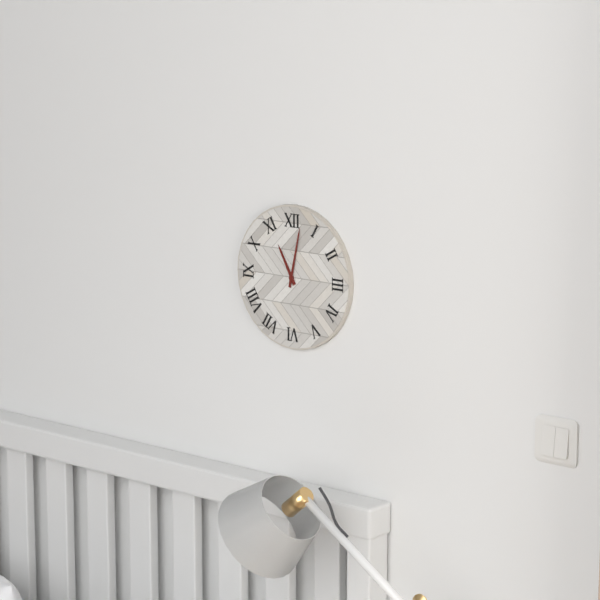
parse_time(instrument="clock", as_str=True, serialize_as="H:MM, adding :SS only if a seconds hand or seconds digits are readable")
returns 11:02
